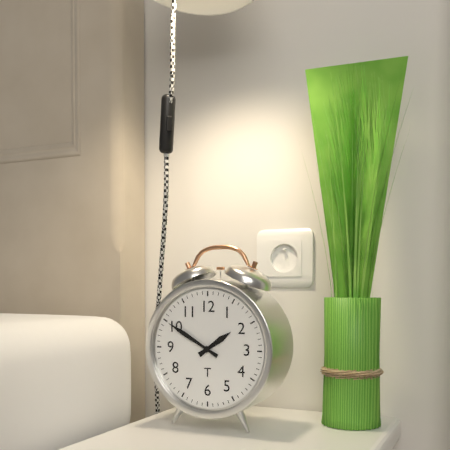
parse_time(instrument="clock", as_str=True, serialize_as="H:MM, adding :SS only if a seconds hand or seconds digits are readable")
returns 1:50
